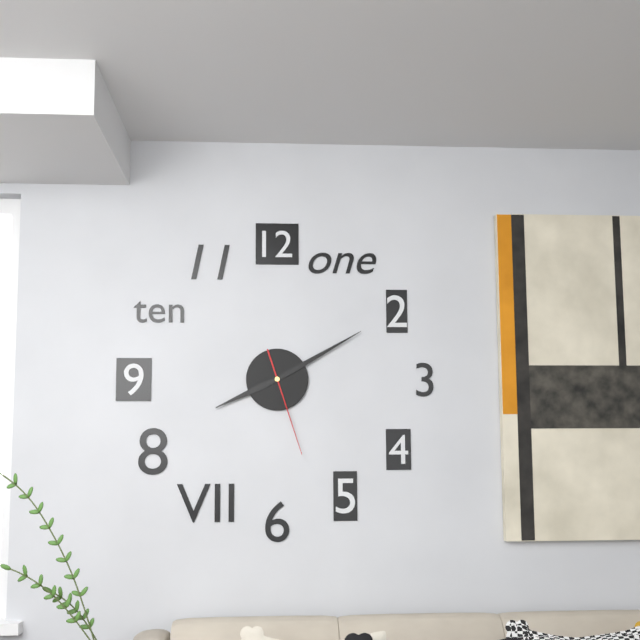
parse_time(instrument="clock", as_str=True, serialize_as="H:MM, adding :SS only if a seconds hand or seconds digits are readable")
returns 8:10:27
